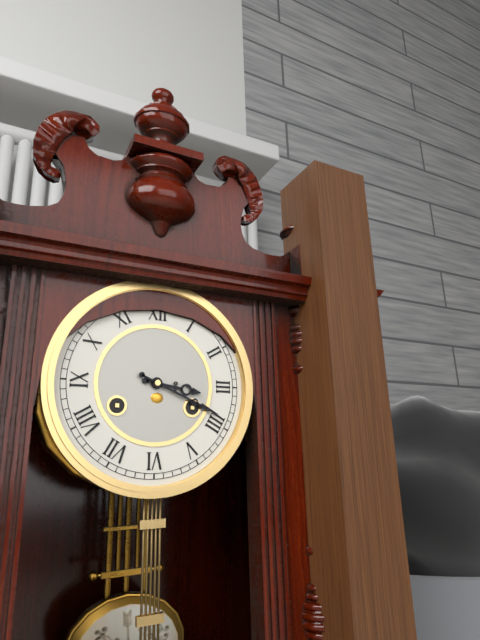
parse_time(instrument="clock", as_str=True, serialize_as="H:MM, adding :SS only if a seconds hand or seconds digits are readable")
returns 3:19
